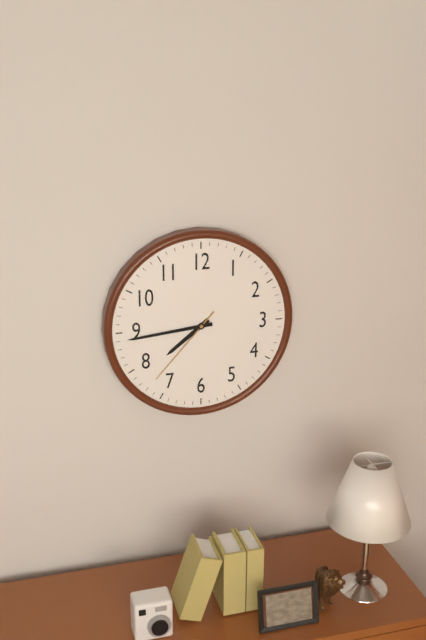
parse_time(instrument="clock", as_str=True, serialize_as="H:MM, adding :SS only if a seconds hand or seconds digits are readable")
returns 7:44:37
